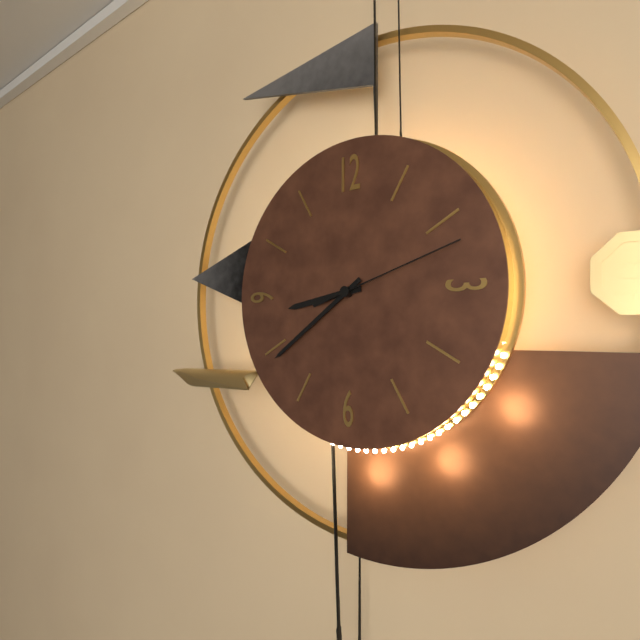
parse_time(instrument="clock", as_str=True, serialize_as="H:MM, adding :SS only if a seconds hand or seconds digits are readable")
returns 8:39:12
